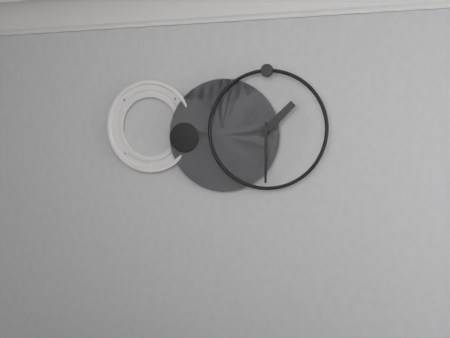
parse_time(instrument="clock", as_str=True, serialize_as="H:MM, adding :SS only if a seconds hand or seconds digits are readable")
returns 1:30
